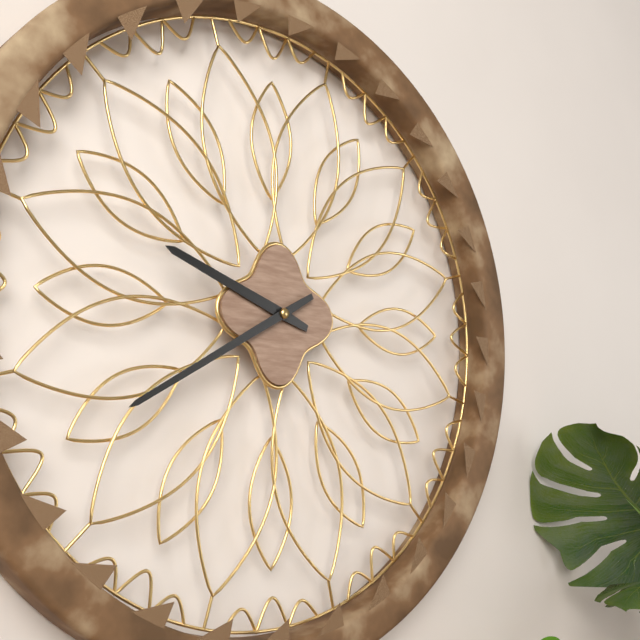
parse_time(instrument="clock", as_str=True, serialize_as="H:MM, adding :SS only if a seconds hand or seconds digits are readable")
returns 9:40
